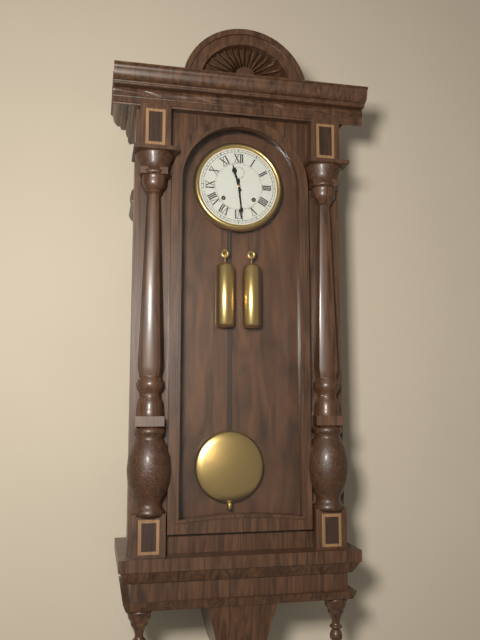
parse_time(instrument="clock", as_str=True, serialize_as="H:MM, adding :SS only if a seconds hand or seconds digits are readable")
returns 11:29
